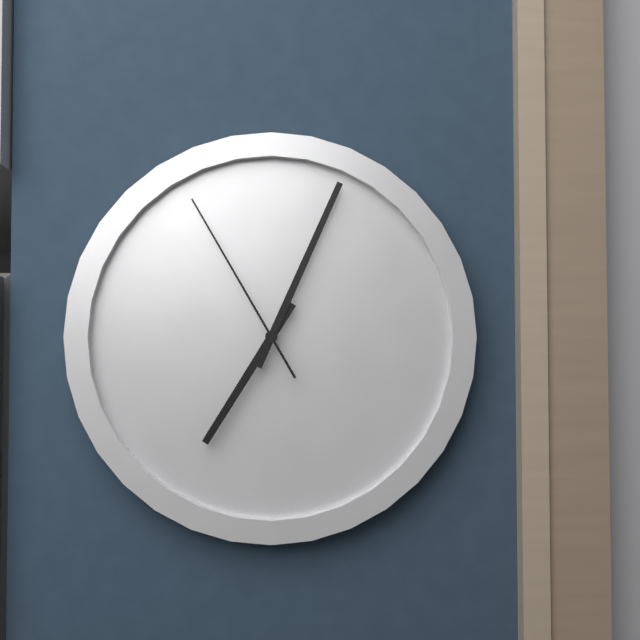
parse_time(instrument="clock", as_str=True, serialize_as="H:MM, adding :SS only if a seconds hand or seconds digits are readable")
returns 7:04:55
